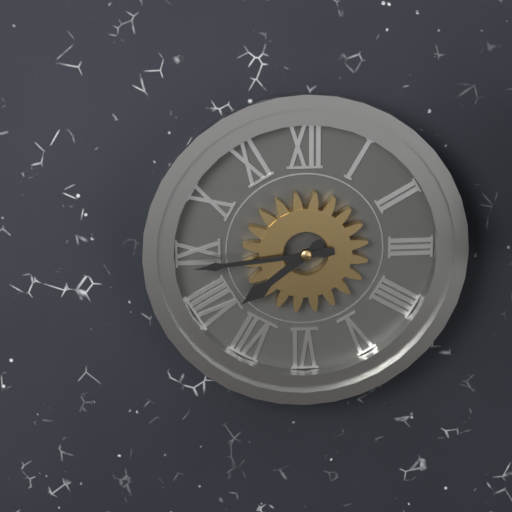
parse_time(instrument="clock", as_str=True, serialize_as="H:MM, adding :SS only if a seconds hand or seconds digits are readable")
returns 7:44
